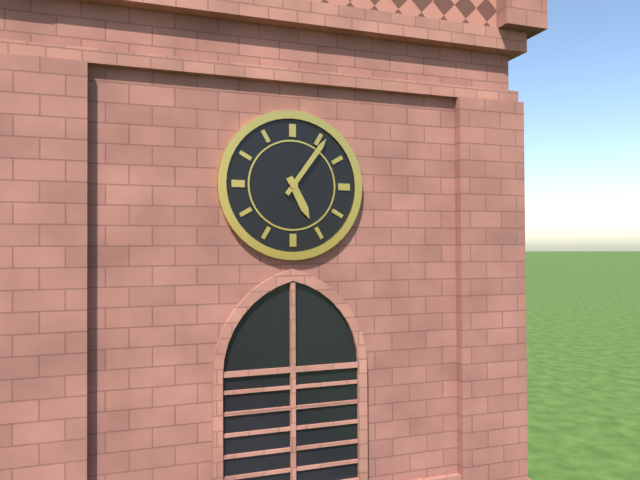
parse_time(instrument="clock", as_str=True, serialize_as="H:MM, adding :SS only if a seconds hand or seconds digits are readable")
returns 5:06
